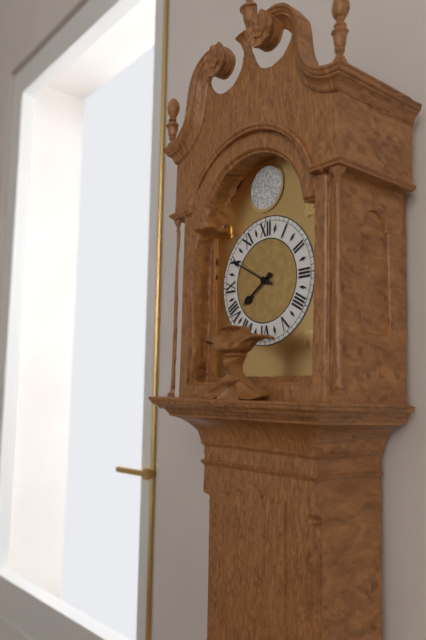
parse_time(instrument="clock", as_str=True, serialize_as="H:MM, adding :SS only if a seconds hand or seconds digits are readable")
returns 7:50
